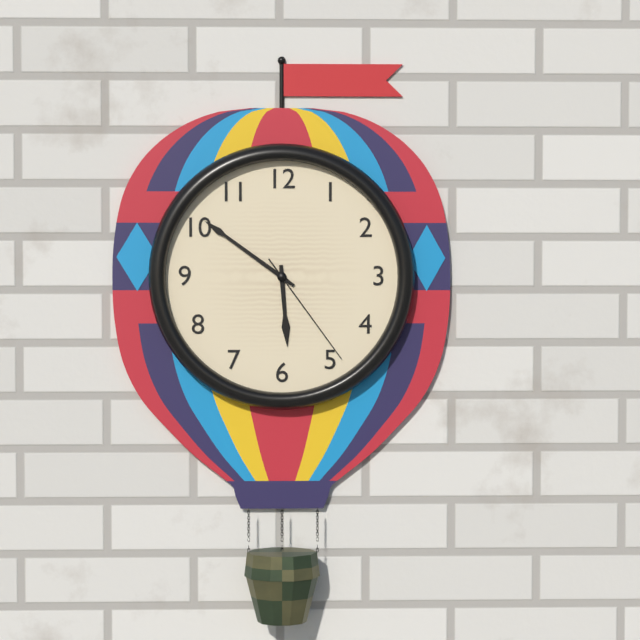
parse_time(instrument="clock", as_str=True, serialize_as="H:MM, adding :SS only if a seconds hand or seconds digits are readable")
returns 5:51:24
